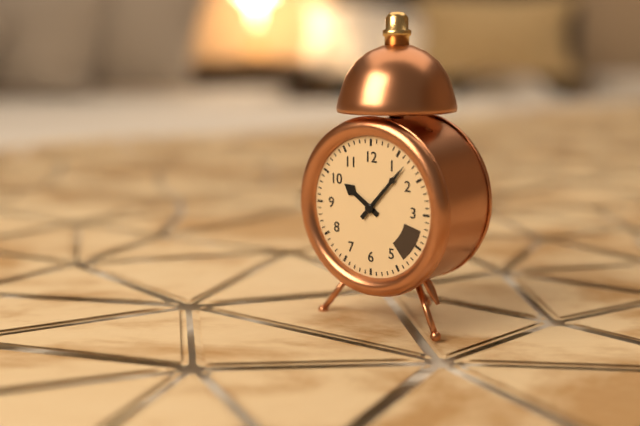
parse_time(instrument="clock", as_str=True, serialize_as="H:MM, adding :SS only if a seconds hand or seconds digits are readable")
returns 10:07
